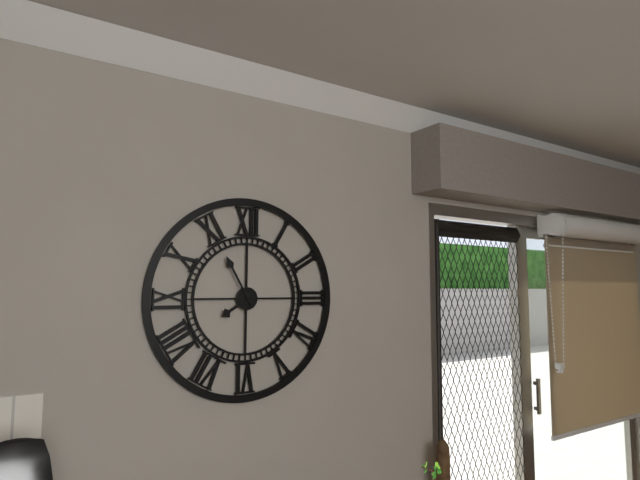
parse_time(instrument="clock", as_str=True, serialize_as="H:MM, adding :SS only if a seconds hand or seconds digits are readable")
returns 7:55
